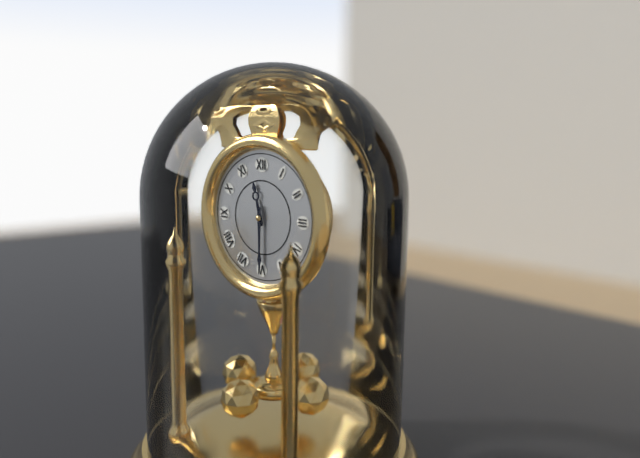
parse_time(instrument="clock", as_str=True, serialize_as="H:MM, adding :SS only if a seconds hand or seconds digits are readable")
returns 11:30
